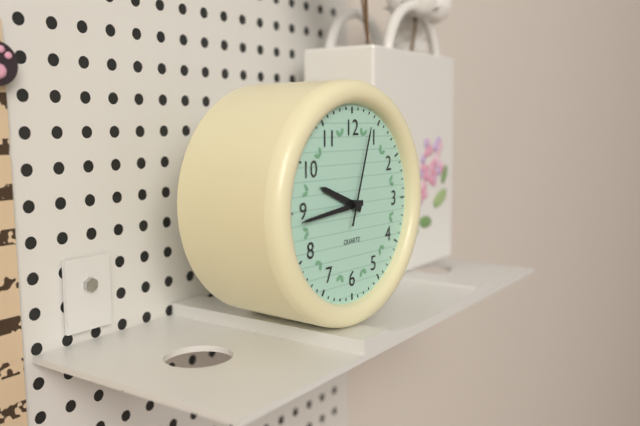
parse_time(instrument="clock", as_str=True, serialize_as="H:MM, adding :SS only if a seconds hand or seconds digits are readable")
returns 9:44:03
